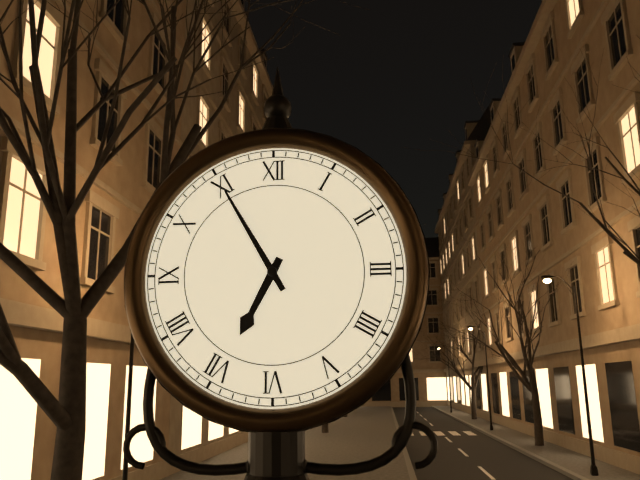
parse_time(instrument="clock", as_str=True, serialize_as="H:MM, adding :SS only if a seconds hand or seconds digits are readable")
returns 6:55
